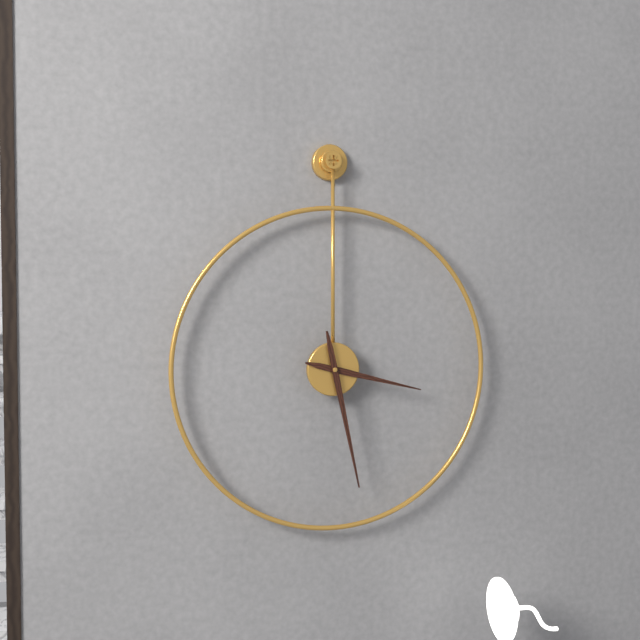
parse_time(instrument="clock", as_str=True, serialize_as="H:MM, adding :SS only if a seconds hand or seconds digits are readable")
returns 3:28
